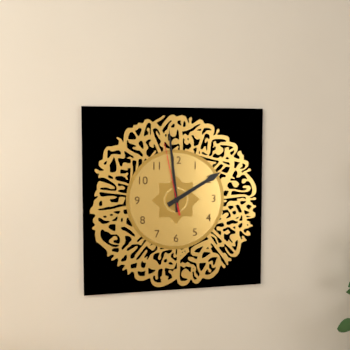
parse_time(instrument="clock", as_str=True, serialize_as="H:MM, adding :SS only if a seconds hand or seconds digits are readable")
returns 1:59:58
